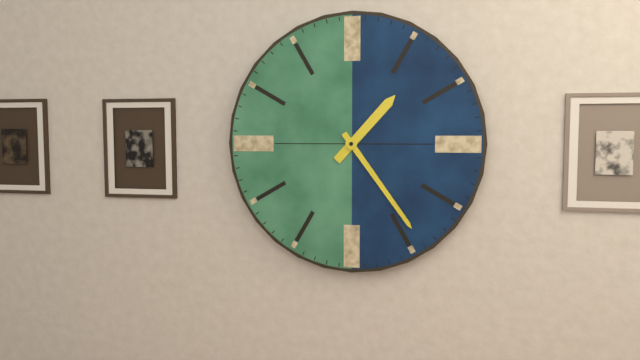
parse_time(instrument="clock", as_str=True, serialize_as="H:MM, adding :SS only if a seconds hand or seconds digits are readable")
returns 1:24
